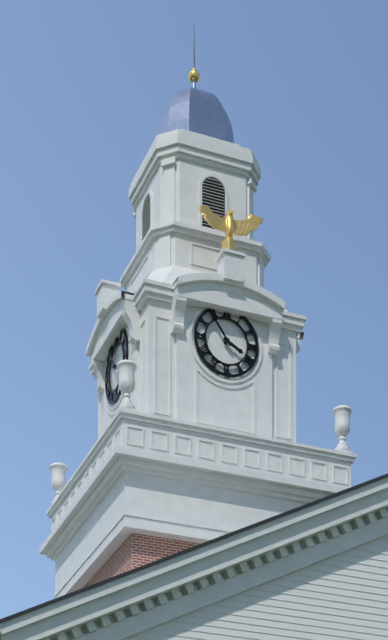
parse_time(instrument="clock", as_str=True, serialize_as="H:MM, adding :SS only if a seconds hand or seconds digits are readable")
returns 3:54
